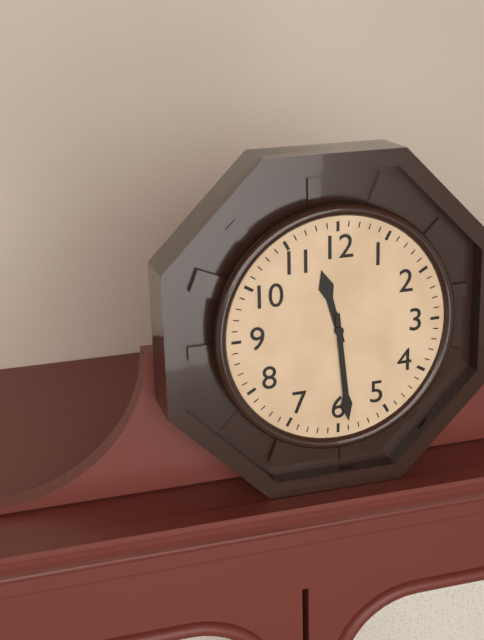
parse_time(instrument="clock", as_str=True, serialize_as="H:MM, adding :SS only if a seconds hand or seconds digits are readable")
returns 11:29
